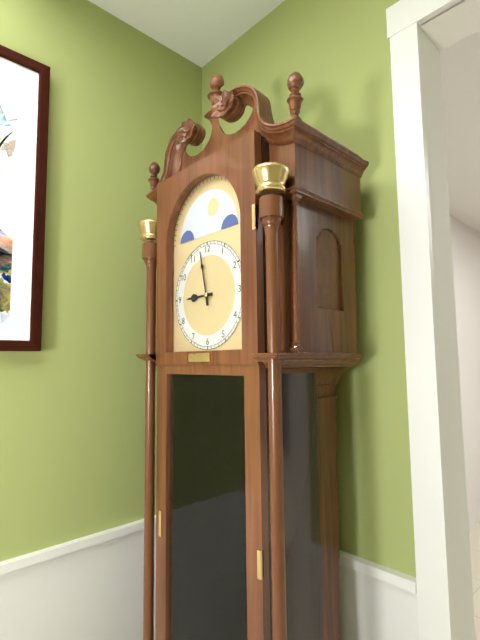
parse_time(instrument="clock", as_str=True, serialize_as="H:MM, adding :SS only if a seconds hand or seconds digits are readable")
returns 8:58
